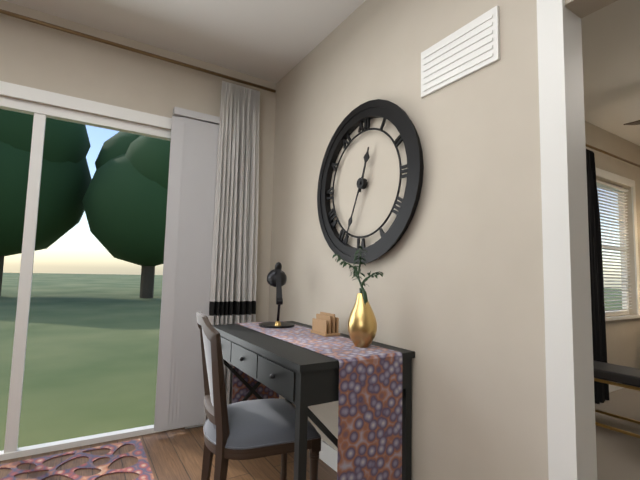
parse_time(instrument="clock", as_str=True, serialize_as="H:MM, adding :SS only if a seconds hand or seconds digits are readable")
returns 12:34
